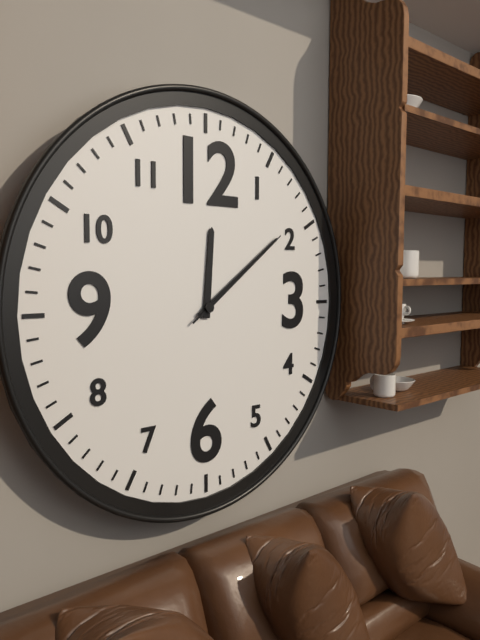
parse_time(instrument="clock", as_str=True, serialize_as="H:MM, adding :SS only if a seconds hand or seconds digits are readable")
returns 12:09:09
